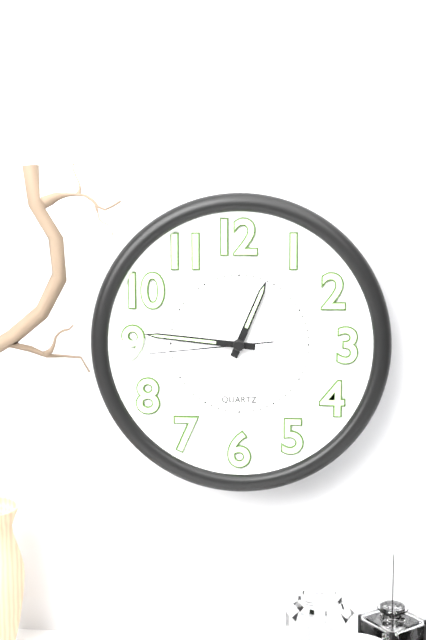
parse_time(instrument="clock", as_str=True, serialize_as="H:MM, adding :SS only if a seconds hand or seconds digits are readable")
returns 12:46:44
